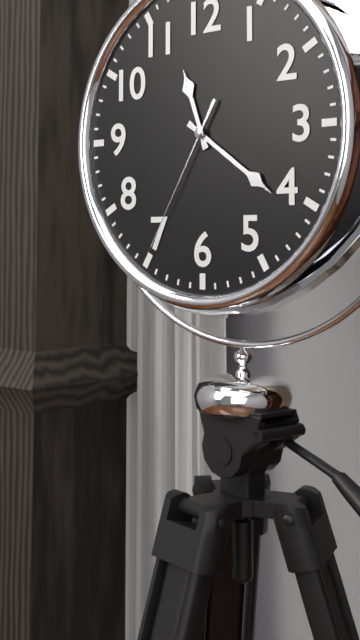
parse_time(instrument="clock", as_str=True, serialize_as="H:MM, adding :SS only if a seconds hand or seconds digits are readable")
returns 11:21:35
